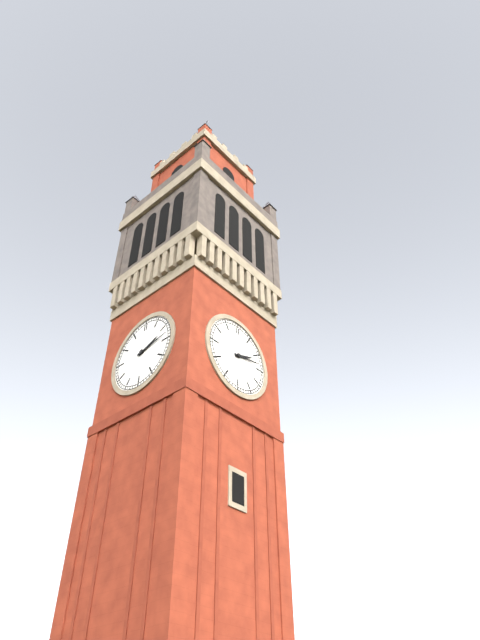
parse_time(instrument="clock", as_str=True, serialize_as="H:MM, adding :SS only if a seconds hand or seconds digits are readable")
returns 2:13
